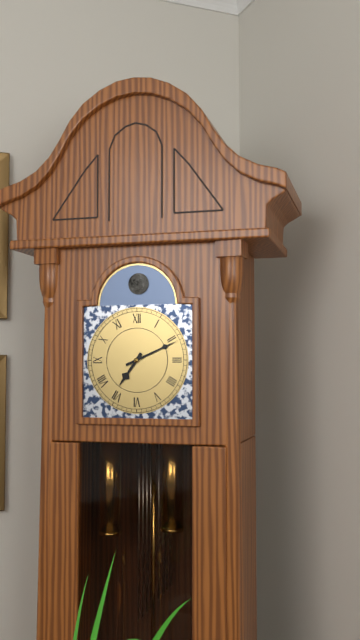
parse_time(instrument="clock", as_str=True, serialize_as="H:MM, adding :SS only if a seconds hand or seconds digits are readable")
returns 7:11
